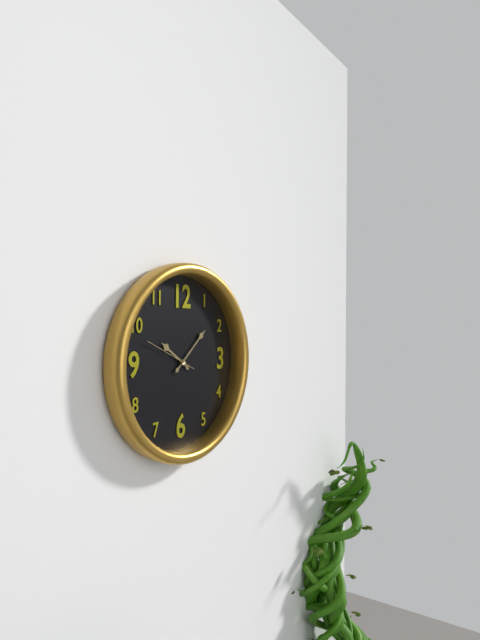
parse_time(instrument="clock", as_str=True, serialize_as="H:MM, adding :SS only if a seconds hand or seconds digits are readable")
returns 10:08:49
